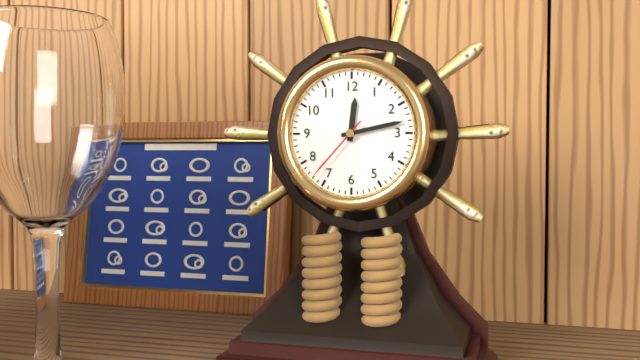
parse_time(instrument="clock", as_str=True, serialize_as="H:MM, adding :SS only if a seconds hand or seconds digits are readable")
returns 12:13:37
